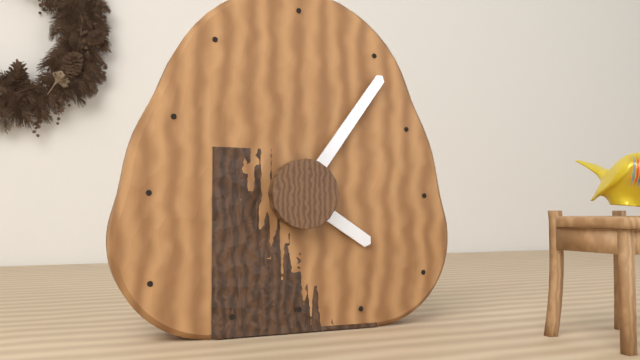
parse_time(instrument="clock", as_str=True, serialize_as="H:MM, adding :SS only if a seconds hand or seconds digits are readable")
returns 4:06
